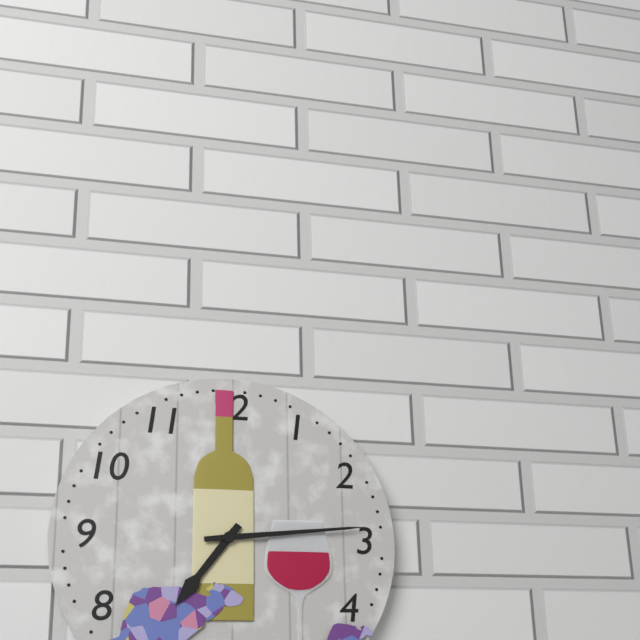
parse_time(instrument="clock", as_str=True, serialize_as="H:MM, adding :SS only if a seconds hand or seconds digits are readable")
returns 7:14
